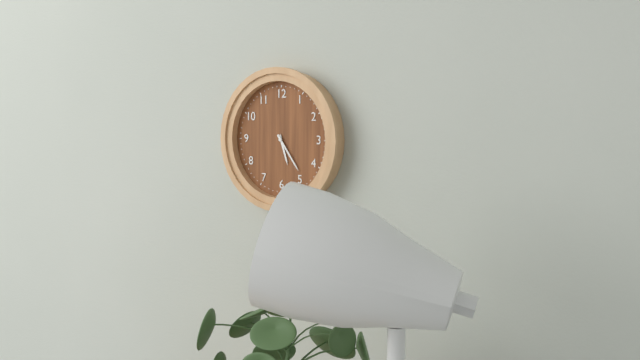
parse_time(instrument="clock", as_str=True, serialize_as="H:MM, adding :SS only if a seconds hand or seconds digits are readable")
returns 5:24
